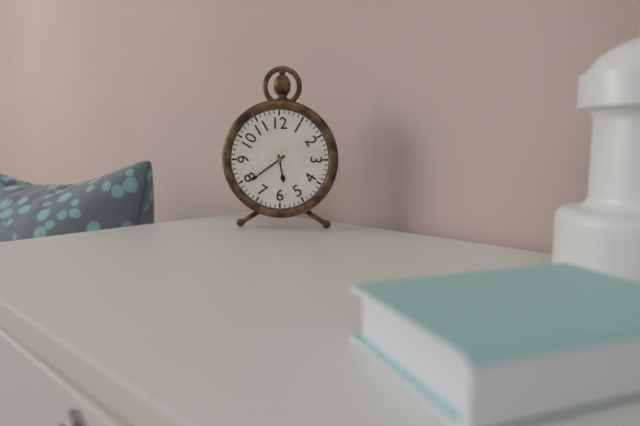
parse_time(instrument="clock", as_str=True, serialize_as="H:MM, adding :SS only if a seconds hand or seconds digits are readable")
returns 5:39
